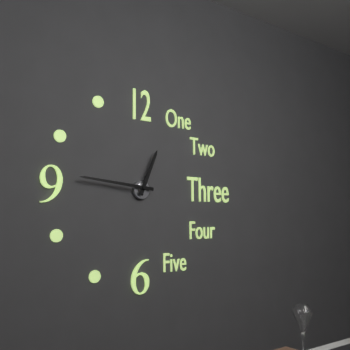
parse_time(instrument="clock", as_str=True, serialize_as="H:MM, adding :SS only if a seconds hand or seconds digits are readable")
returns 12:46
